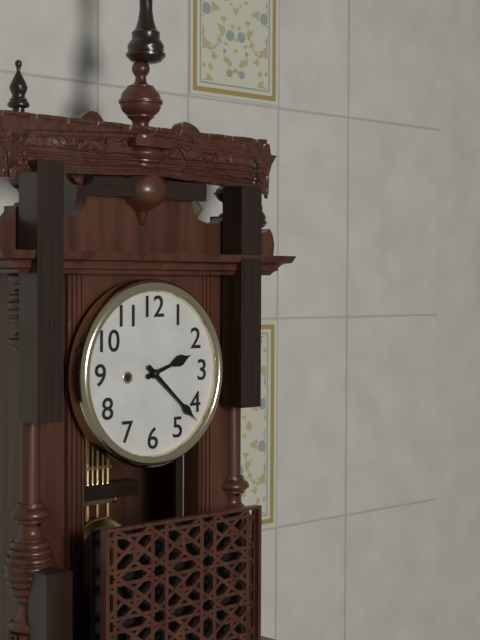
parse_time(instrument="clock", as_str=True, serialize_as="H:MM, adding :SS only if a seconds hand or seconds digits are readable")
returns 2:22
